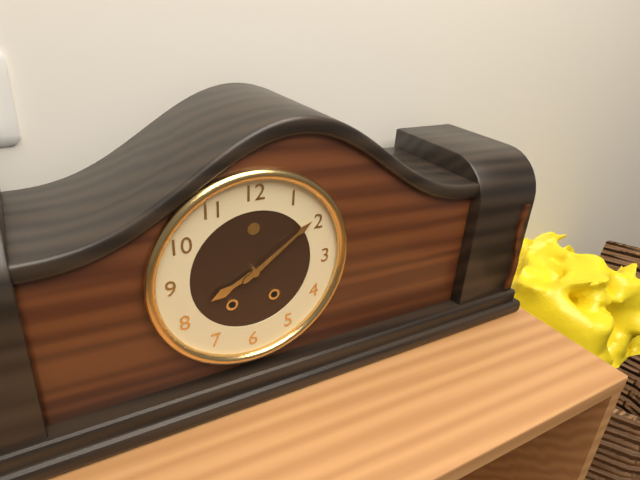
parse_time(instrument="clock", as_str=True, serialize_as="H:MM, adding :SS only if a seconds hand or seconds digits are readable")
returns 8:09
